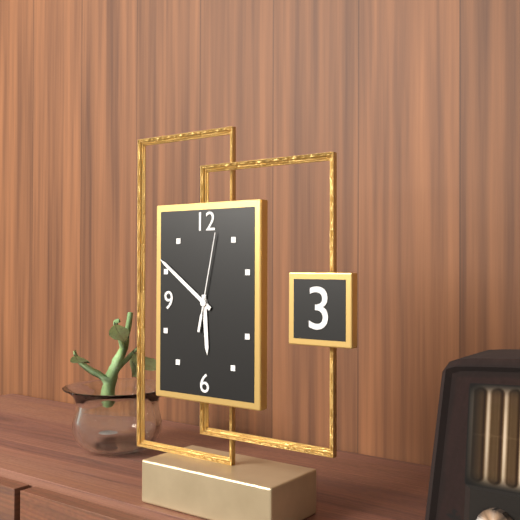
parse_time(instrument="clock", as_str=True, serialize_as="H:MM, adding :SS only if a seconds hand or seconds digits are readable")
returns 5:51:02
